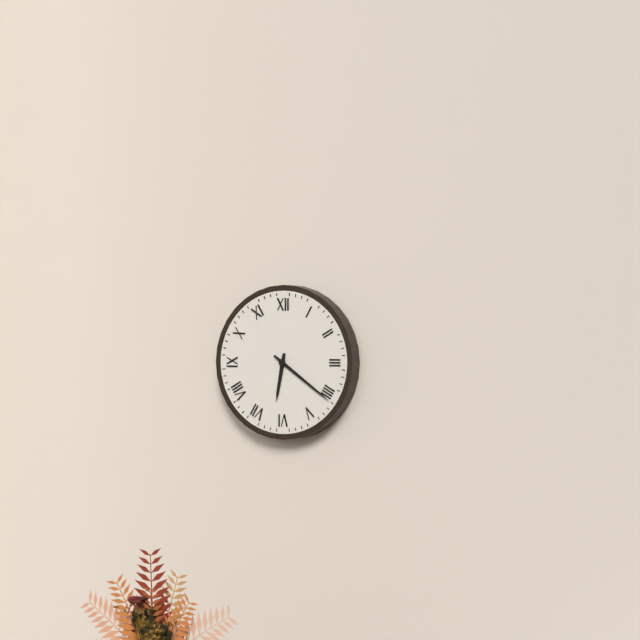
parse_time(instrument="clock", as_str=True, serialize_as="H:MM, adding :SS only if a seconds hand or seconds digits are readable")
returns 6:21
